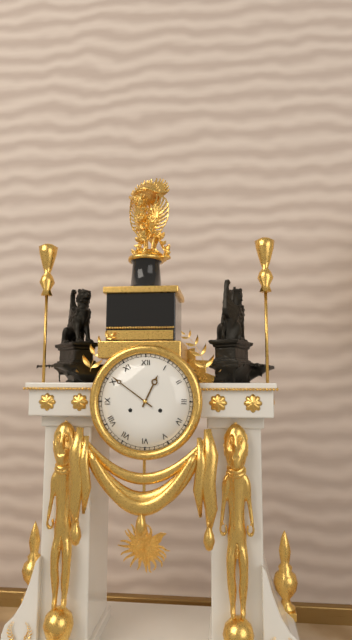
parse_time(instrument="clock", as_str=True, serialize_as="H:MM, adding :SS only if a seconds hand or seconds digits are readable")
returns 12:51
